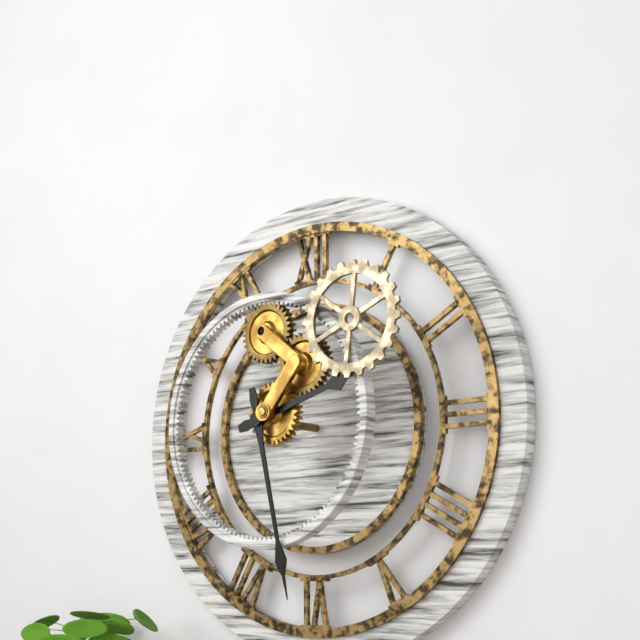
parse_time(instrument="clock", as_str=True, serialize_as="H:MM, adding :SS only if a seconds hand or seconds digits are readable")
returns 2:28
